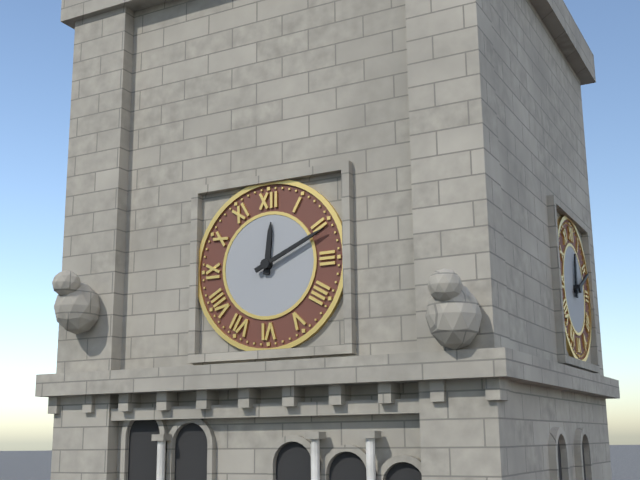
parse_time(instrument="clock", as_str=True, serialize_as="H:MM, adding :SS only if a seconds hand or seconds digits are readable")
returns 12:11
